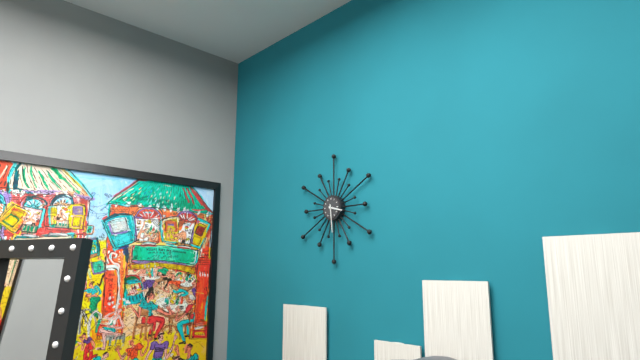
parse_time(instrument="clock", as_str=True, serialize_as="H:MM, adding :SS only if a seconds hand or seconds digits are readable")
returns 3:29
